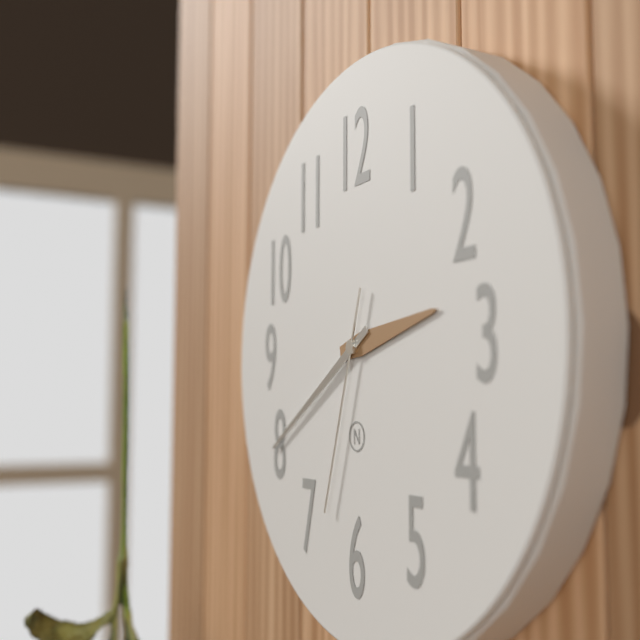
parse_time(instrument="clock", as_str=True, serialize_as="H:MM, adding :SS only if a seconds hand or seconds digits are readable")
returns 2:40:33
